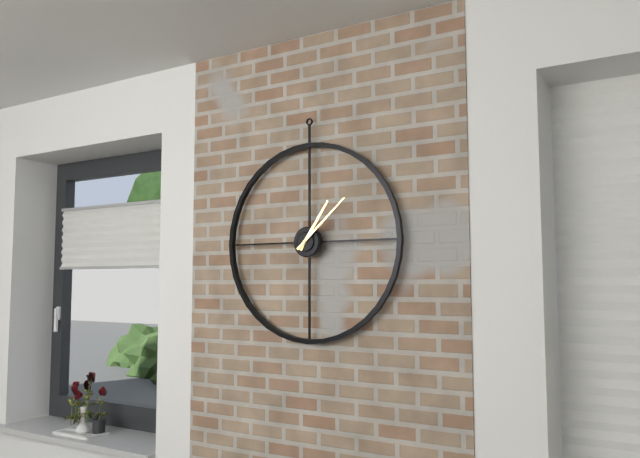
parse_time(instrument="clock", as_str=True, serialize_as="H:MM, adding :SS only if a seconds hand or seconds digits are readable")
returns 1:08
